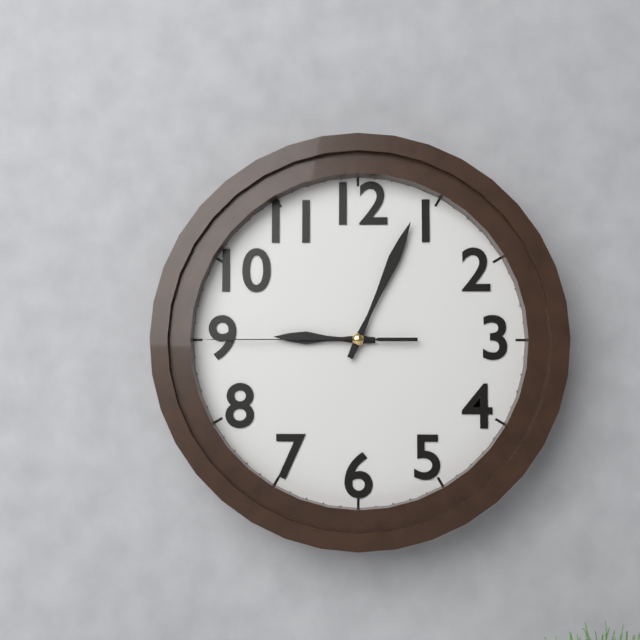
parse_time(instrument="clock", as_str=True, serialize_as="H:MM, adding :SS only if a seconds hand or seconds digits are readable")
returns 9:04:45
